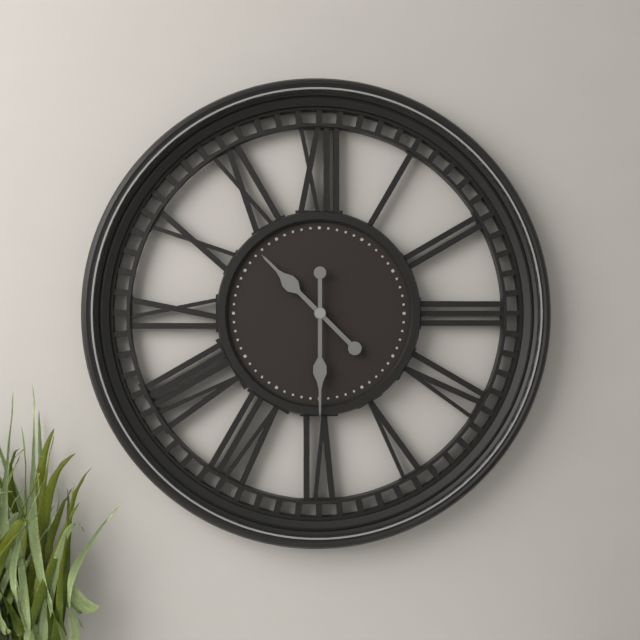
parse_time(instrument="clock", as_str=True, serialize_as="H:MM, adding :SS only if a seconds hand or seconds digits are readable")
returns 10:30
